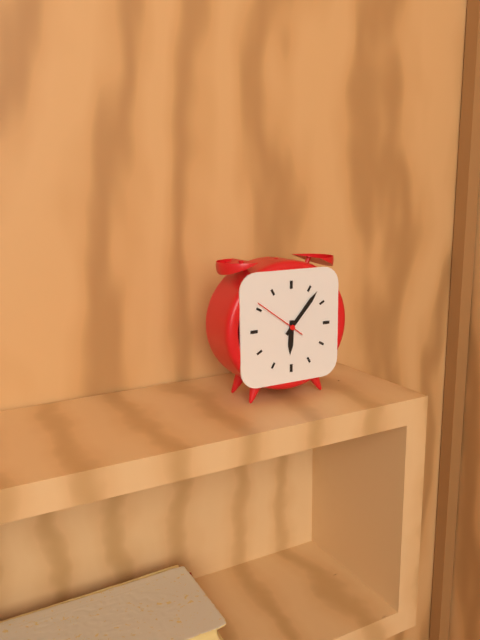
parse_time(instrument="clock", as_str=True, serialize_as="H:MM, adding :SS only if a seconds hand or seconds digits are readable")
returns 6:07:51
